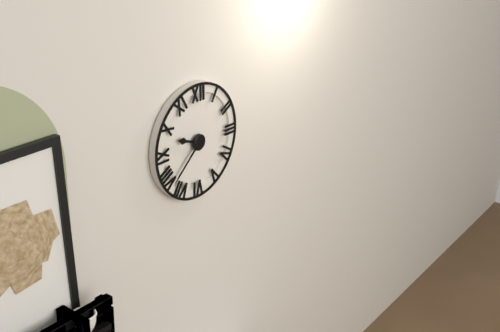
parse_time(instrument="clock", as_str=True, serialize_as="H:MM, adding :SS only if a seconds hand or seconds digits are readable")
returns 9:38
